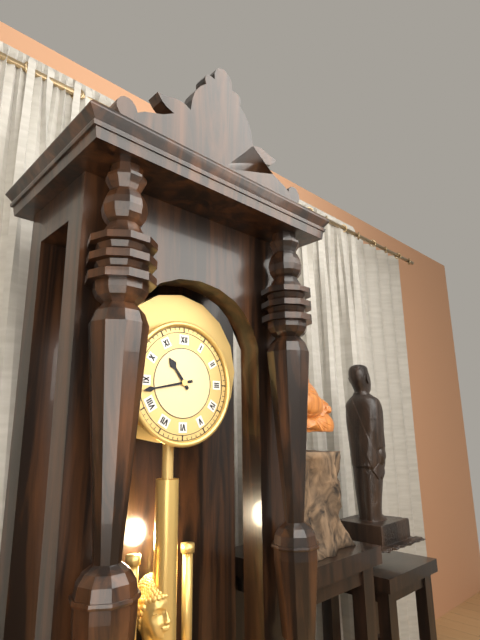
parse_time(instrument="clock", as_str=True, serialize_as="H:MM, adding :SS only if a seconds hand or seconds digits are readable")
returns 10:43
